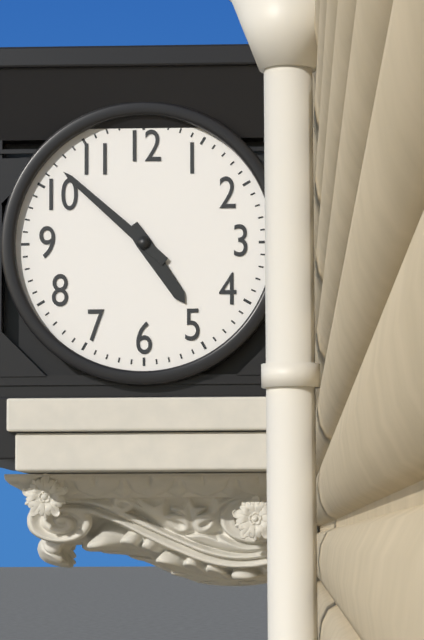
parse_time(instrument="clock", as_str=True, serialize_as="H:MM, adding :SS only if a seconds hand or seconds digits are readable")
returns 4:52
